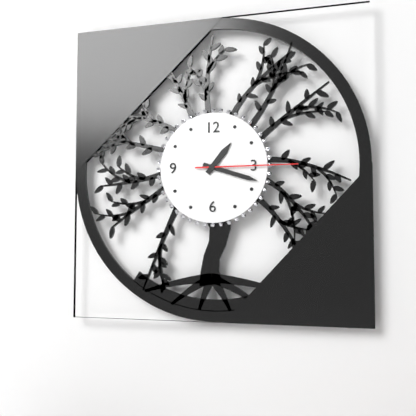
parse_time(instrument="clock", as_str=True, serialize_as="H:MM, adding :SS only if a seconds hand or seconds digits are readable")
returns 1:18:15
